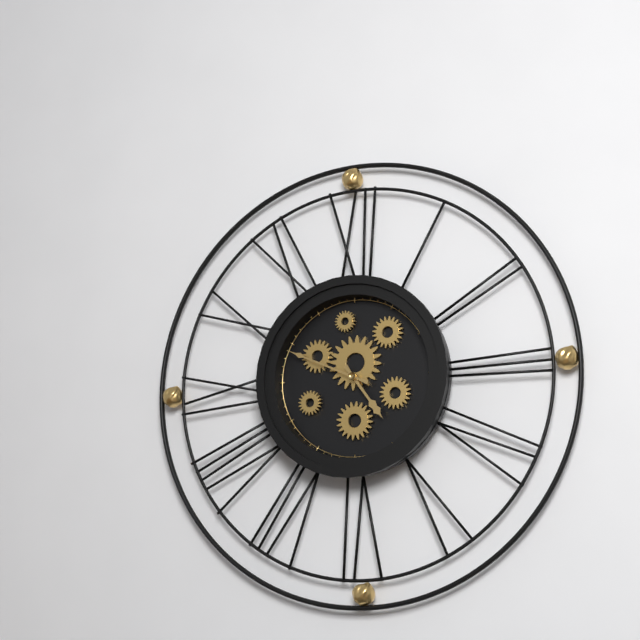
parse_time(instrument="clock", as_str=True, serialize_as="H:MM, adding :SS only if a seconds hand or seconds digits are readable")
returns 4:49
